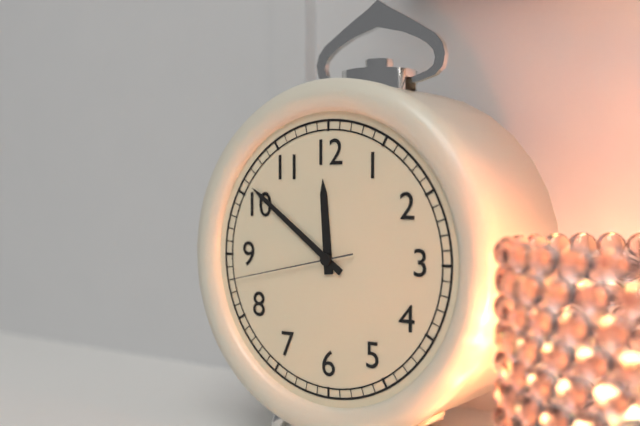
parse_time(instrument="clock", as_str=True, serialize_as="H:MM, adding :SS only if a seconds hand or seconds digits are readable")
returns 11:51:43
